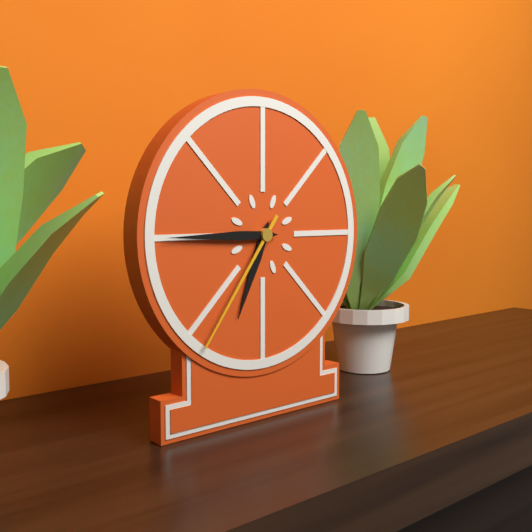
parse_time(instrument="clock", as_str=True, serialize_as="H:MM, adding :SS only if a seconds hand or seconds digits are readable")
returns 6:45:36
